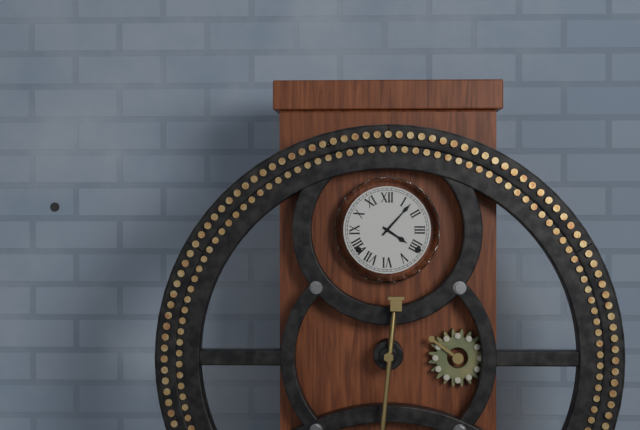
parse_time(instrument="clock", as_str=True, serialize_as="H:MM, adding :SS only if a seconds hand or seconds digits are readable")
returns 4:07
